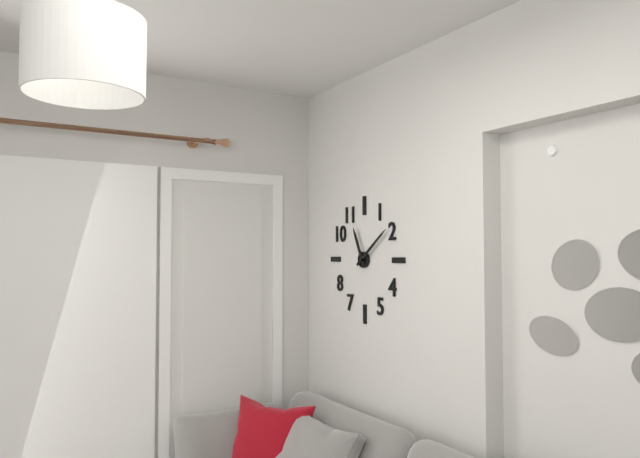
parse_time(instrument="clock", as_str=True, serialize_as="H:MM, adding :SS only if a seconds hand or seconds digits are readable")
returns 11:09
